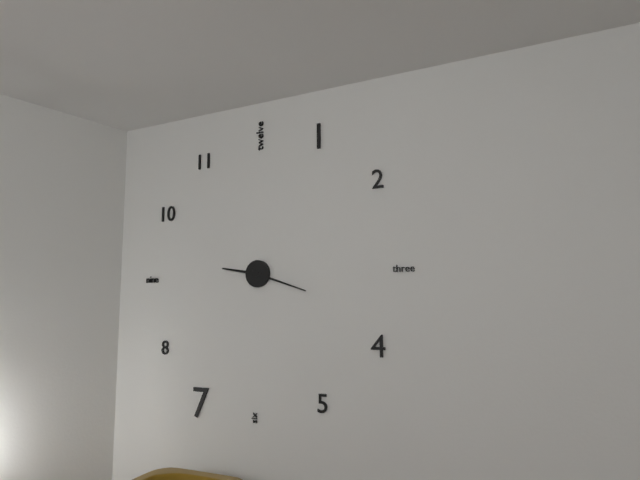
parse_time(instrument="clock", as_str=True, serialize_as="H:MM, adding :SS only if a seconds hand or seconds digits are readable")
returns 9:18
